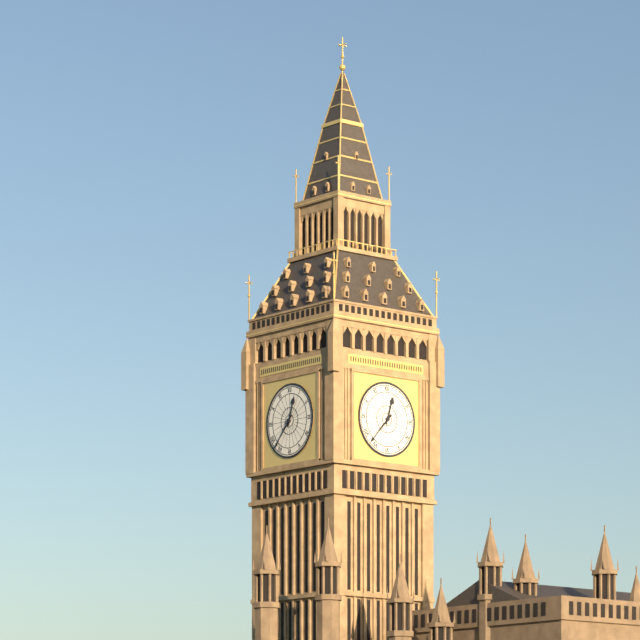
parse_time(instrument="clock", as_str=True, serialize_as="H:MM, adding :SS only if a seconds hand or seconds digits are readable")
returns 12:37
